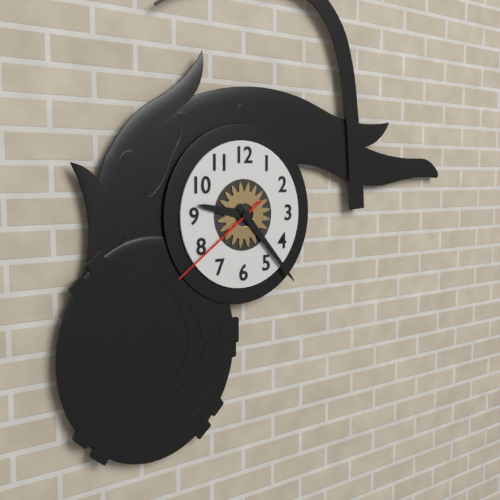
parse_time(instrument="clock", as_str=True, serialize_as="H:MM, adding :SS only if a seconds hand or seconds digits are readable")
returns 9:23:39
